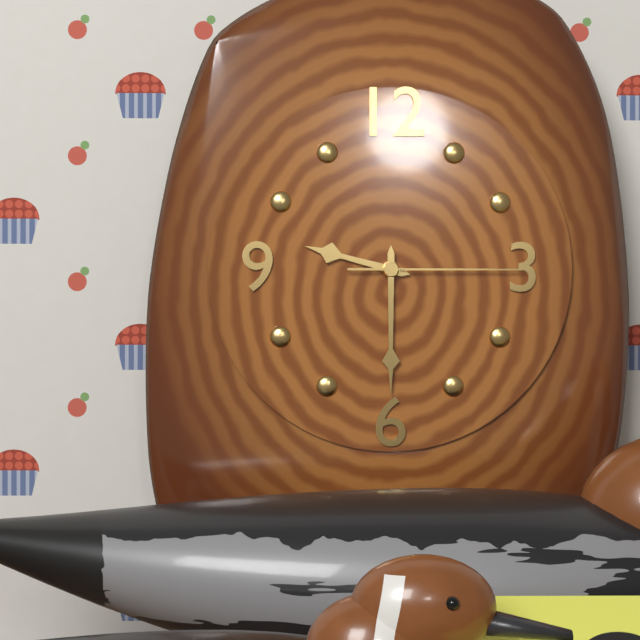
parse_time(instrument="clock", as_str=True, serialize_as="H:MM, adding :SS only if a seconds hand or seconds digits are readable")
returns 9:30:15
